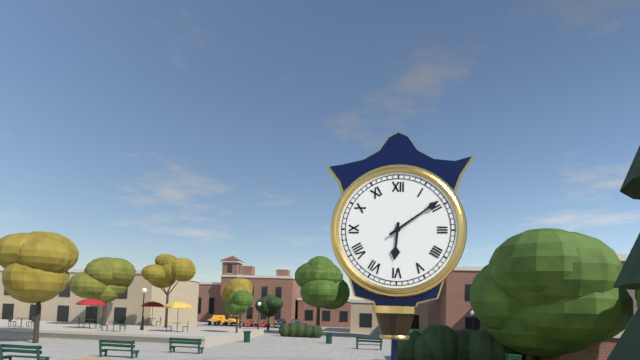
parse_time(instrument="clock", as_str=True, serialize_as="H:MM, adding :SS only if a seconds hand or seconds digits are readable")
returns 6:09
